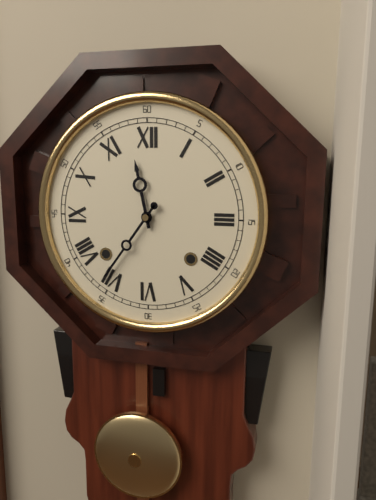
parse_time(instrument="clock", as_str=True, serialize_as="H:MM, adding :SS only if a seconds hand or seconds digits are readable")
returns 11:36
